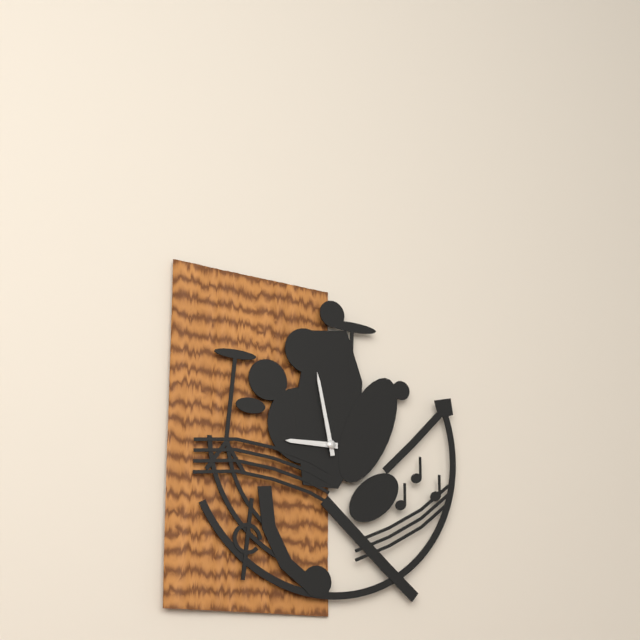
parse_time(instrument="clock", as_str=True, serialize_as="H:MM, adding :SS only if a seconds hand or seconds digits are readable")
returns 8:58
